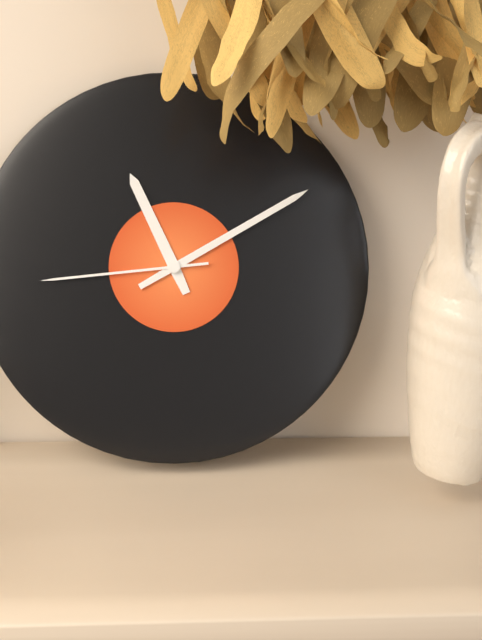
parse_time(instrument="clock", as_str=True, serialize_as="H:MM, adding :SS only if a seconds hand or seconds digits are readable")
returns 11:10:44
